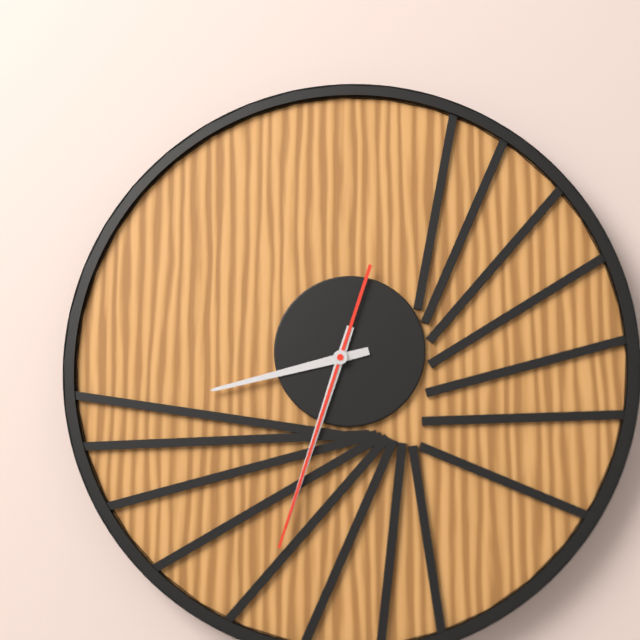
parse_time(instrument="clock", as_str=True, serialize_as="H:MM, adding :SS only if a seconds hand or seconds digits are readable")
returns 8:33:33
